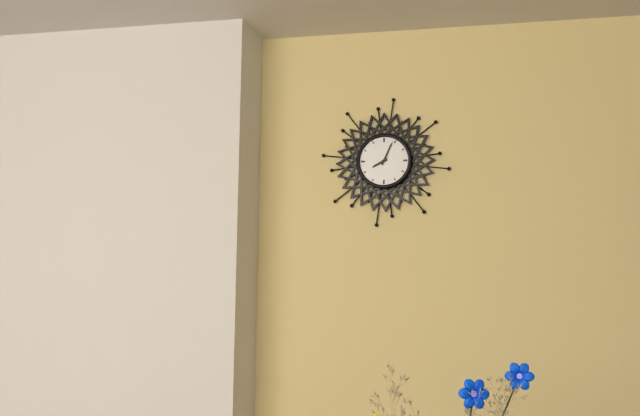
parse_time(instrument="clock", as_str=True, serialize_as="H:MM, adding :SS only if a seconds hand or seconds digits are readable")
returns 8:04
